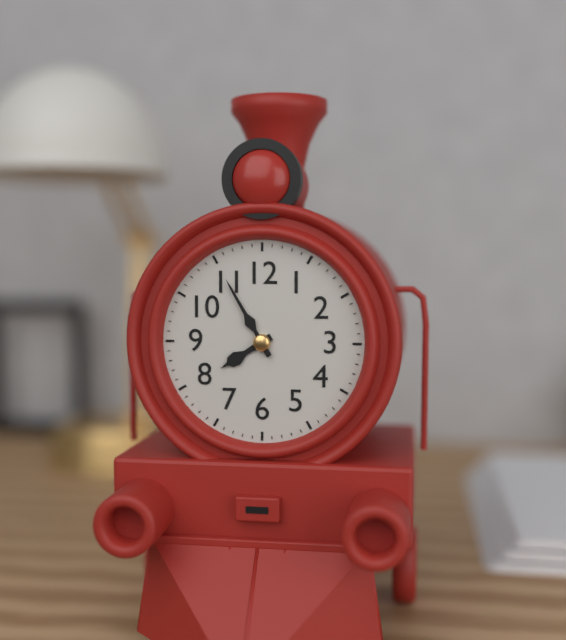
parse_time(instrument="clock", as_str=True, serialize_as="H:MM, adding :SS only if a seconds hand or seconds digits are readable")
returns 7:55
